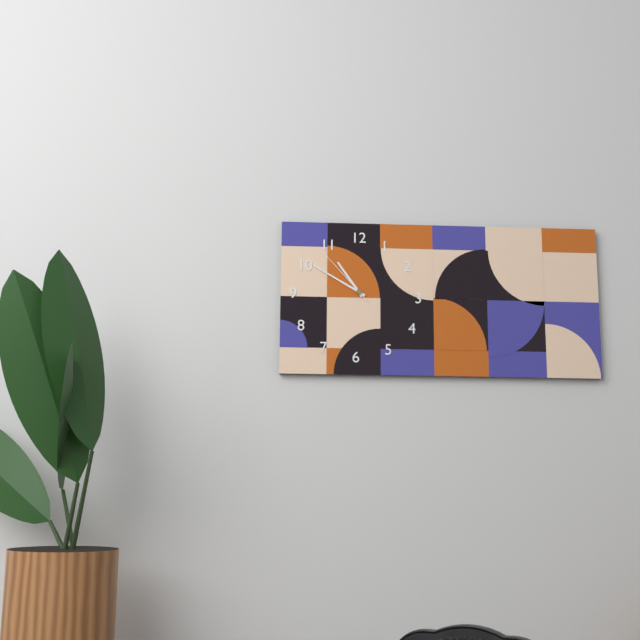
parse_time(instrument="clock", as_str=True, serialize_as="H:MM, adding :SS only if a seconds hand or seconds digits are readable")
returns 10:50:53
